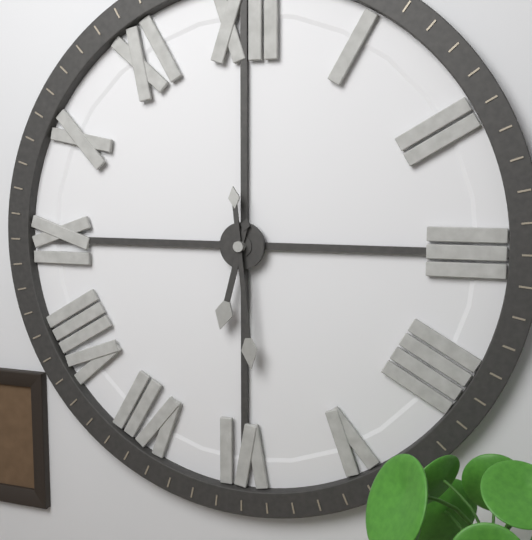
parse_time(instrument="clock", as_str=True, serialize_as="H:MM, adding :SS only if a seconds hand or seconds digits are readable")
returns 6:29
